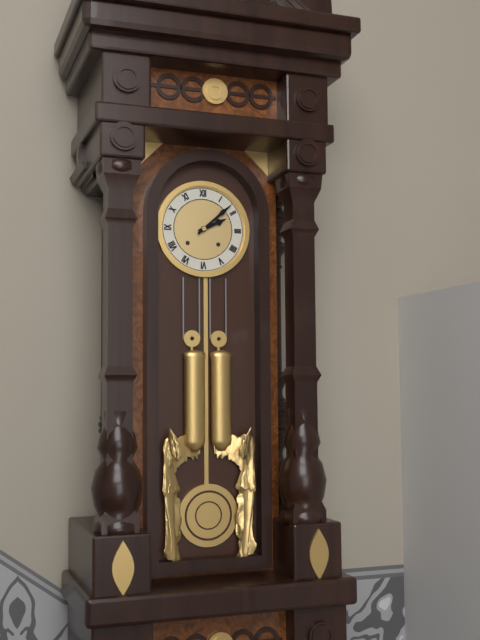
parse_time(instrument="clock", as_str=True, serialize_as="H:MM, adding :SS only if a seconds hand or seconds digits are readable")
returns 2:08
